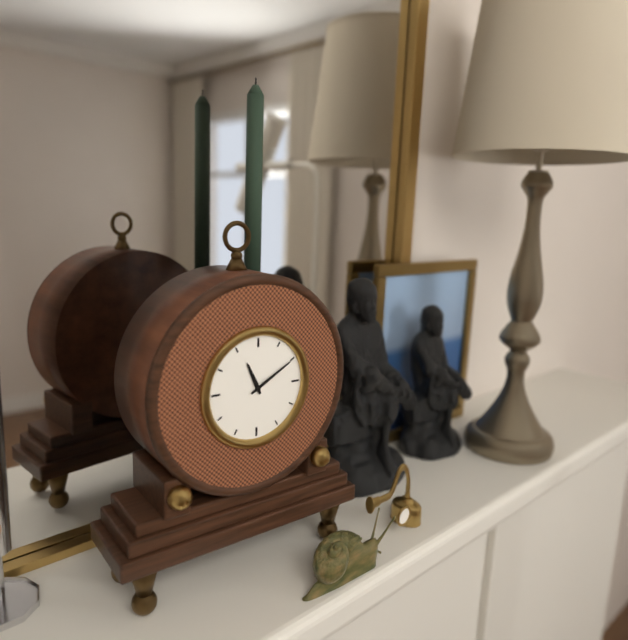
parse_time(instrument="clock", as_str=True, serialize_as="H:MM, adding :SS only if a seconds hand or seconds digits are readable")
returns 11:10
